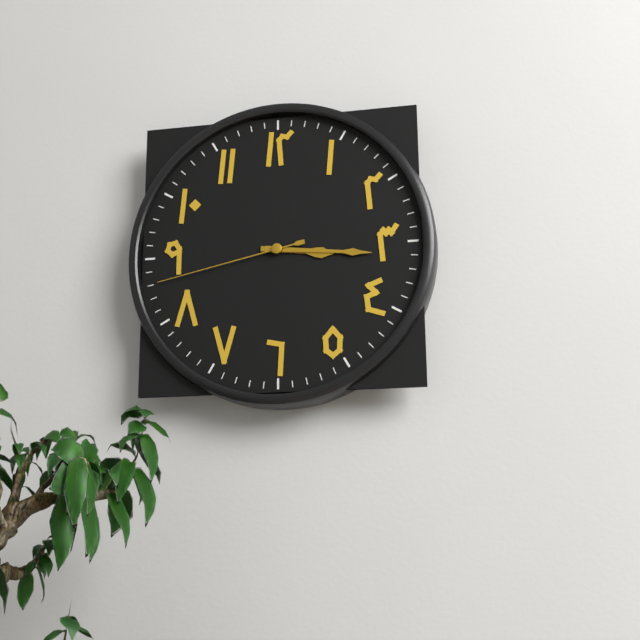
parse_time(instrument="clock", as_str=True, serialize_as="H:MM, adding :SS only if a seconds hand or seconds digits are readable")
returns 3:16:43
